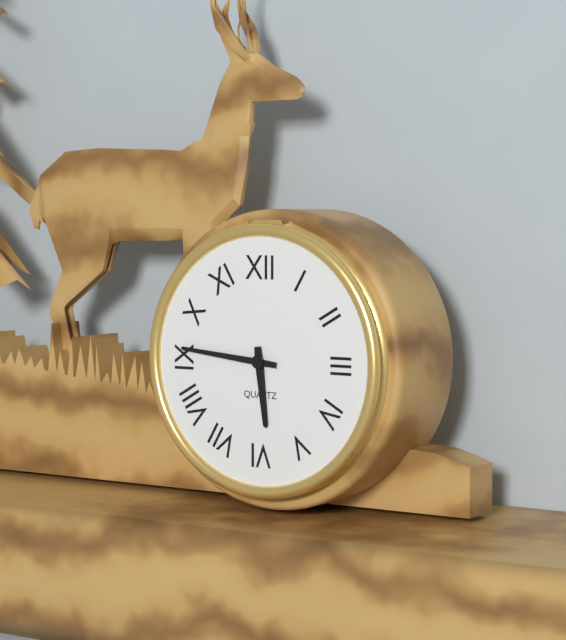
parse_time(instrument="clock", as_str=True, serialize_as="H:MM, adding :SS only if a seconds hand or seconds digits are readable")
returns 5:46
